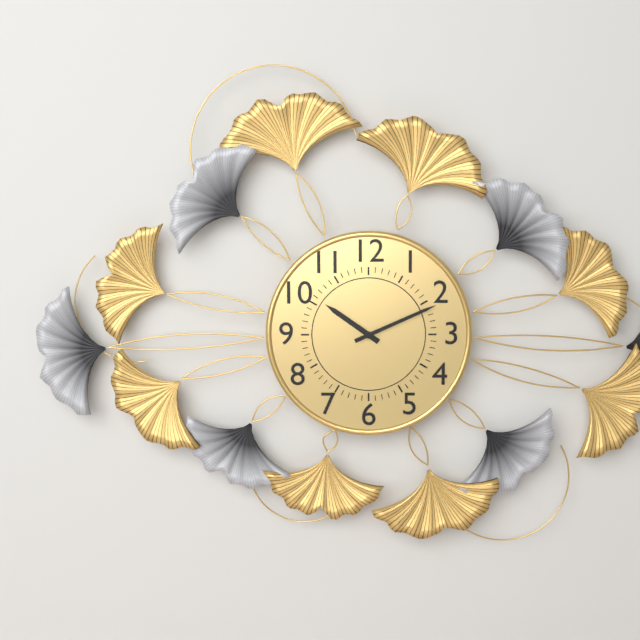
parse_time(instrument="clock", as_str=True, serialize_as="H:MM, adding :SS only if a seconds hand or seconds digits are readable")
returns 10:11
